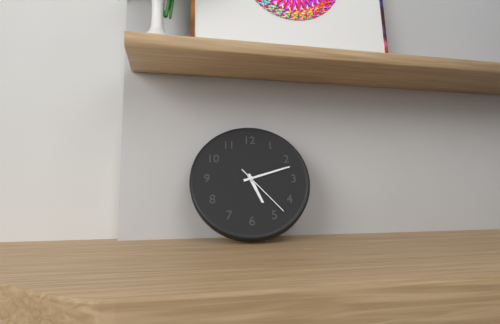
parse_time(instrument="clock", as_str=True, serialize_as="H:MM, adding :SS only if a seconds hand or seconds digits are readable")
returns 5:12:23
